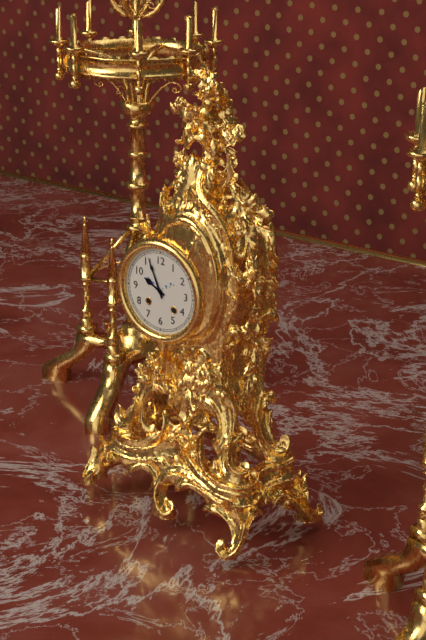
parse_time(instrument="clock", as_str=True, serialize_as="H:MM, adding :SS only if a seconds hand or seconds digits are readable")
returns 9:56
